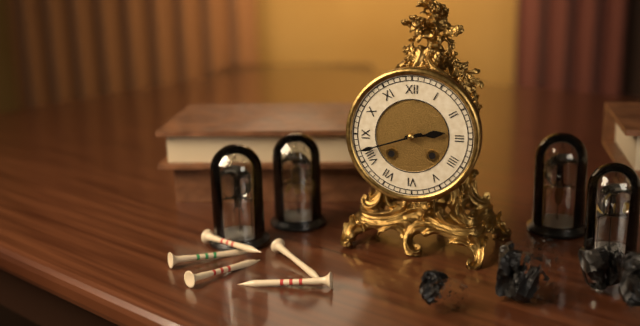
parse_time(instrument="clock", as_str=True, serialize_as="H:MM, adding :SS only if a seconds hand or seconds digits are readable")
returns 2:42
